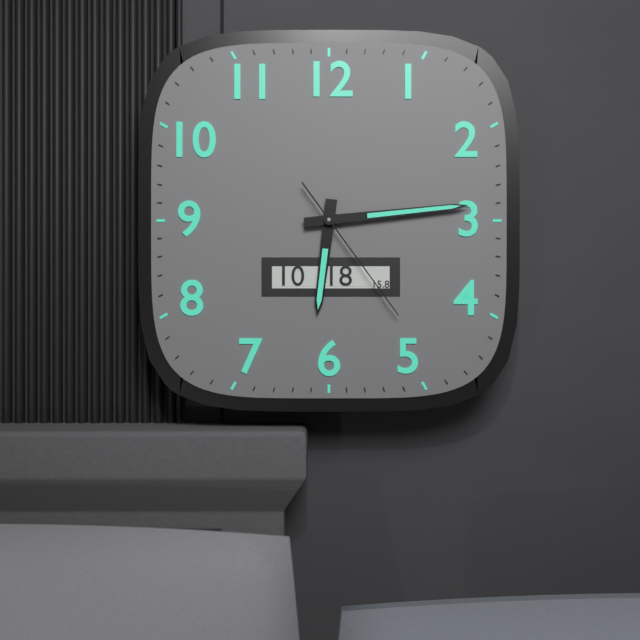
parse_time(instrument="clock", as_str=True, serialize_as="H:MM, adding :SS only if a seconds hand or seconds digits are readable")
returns 6:14:24
